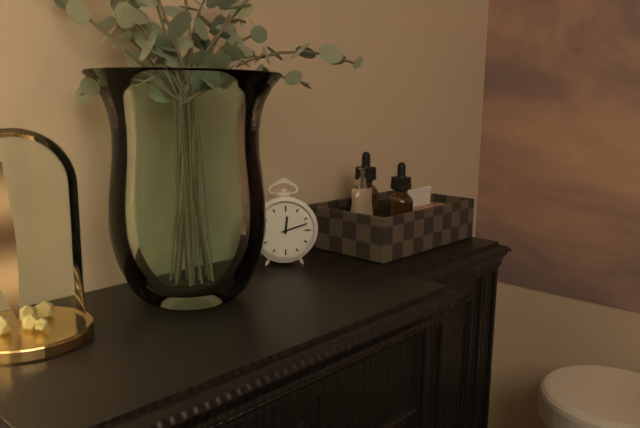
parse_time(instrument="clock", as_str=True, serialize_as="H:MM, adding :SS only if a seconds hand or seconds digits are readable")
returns 12:12
